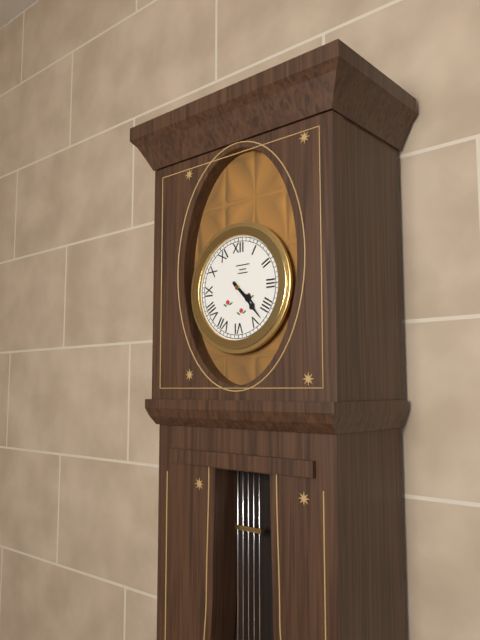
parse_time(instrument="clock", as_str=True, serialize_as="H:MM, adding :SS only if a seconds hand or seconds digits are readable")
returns 4:23
